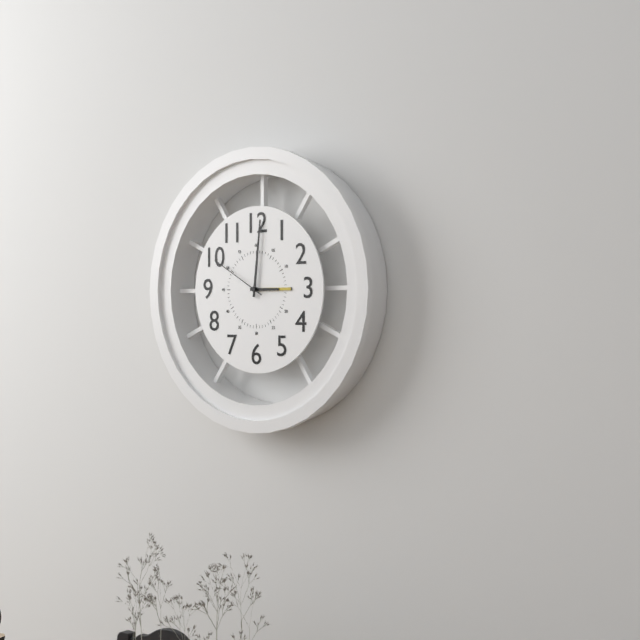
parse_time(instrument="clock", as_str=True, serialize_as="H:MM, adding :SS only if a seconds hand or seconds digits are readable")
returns 3:01:50
